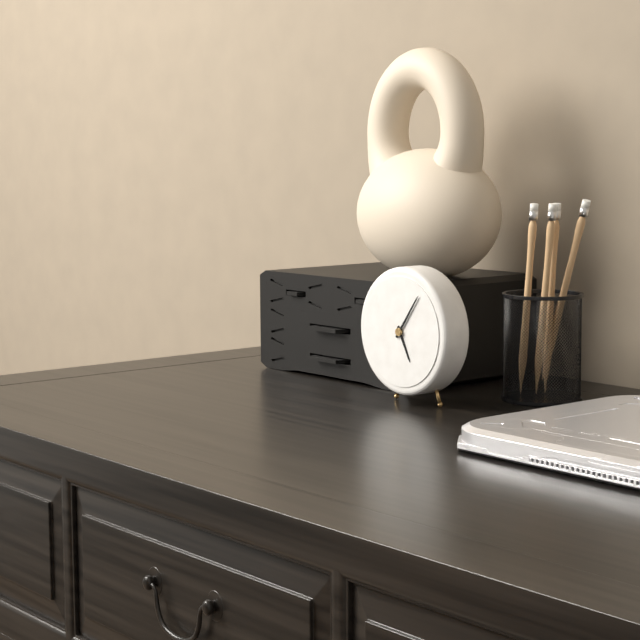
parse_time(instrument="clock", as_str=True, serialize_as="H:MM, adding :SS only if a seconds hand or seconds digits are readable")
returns 5:06
